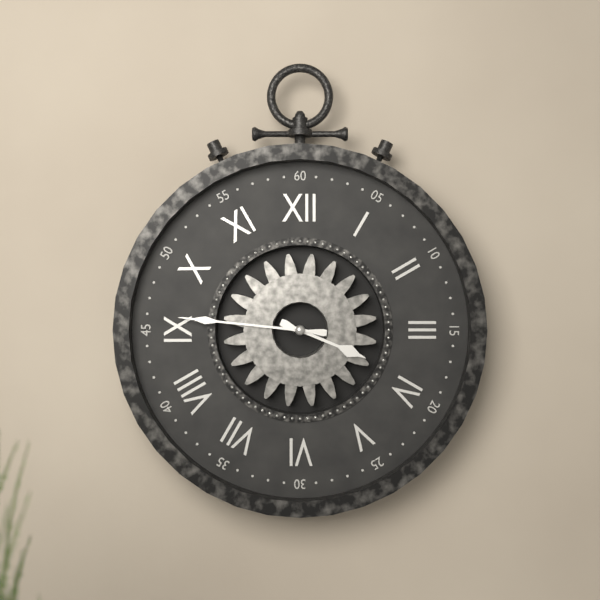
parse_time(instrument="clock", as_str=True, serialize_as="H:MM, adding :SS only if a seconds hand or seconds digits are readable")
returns 3:46
